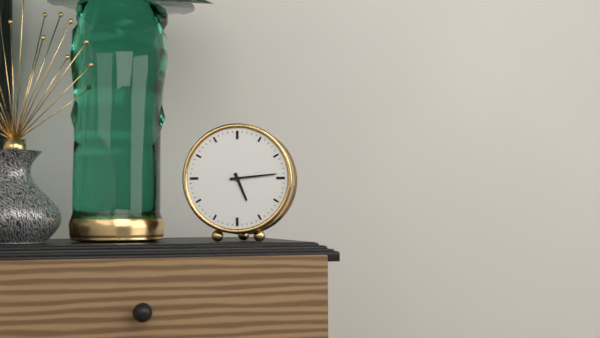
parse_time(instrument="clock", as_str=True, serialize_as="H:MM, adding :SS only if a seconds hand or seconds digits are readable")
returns 5:14
